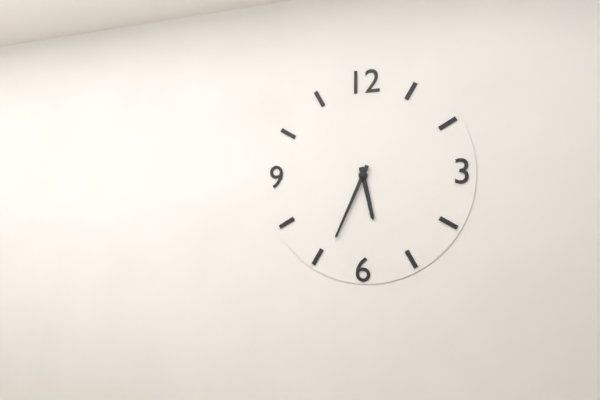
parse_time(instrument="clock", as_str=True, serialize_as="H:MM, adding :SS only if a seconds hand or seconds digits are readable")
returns 5:34
